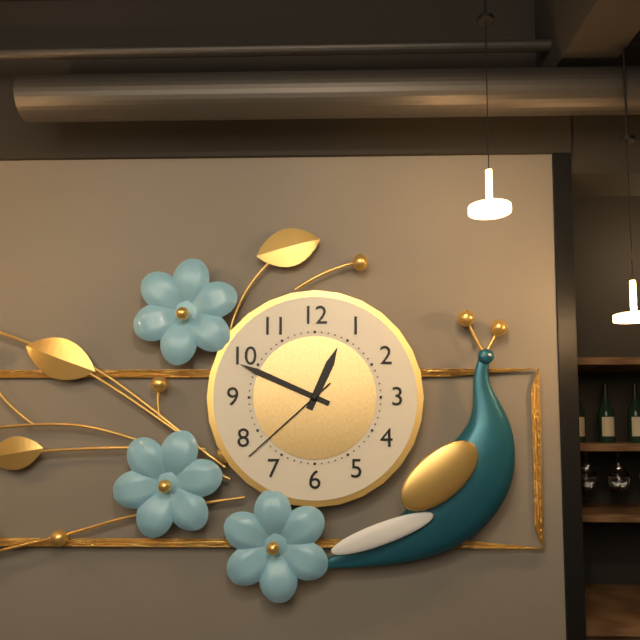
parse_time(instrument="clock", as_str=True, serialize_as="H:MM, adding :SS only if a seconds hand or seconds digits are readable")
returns 12:49:38
